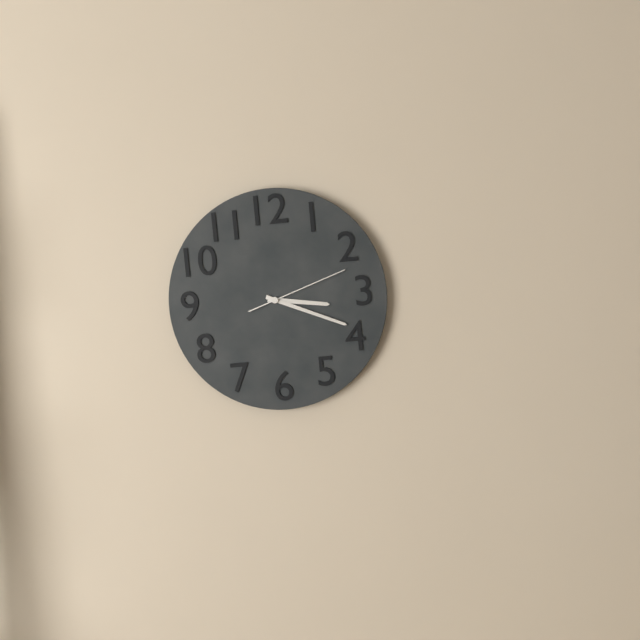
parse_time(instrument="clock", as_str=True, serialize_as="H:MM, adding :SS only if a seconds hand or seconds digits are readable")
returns 3:19:12
